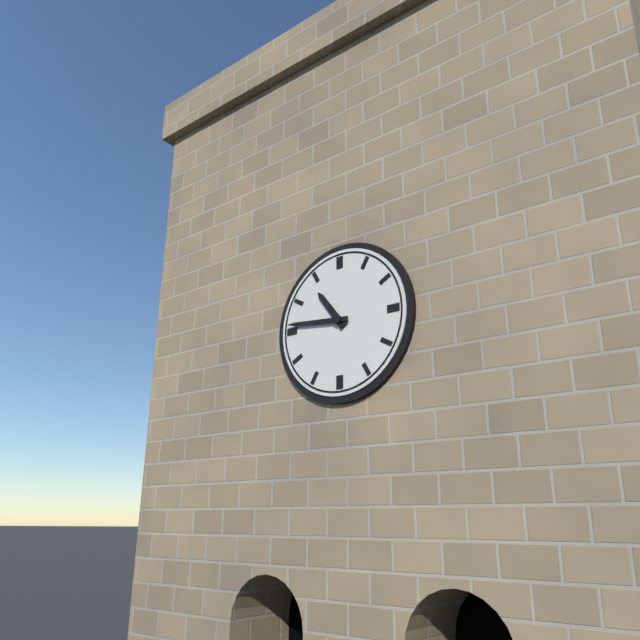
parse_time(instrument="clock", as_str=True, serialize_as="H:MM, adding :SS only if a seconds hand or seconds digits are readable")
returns 10:46
